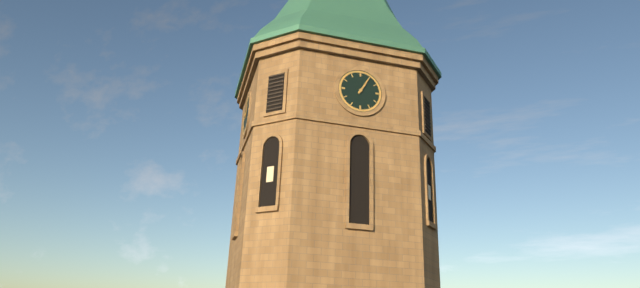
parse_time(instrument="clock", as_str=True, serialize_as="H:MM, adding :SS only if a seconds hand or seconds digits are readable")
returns 1:05
